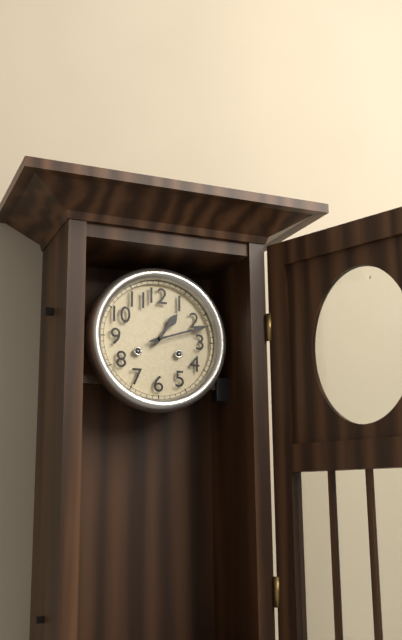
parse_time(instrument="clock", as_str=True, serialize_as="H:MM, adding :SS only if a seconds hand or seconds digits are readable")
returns 1:12
